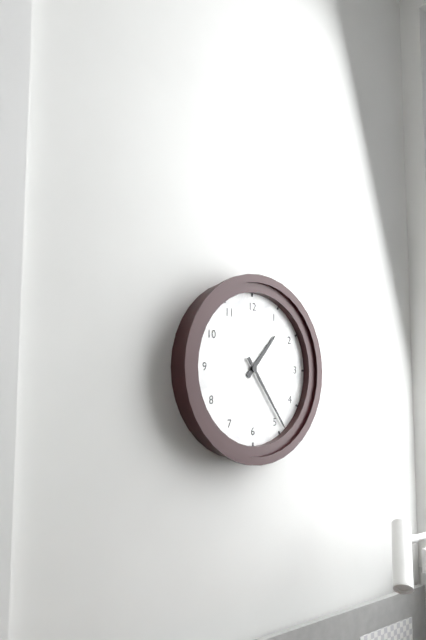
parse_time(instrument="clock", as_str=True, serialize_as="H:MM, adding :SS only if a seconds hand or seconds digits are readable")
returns 1:24
